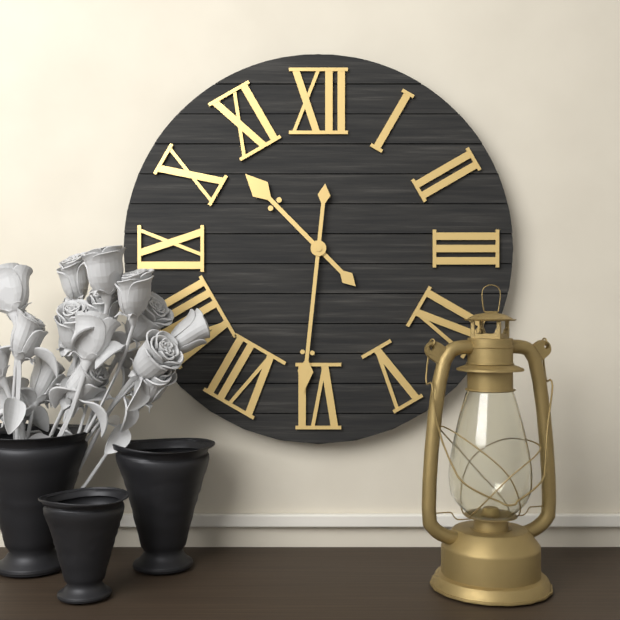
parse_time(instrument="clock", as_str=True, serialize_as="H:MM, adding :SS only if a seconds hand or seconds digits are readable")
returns 10:31
